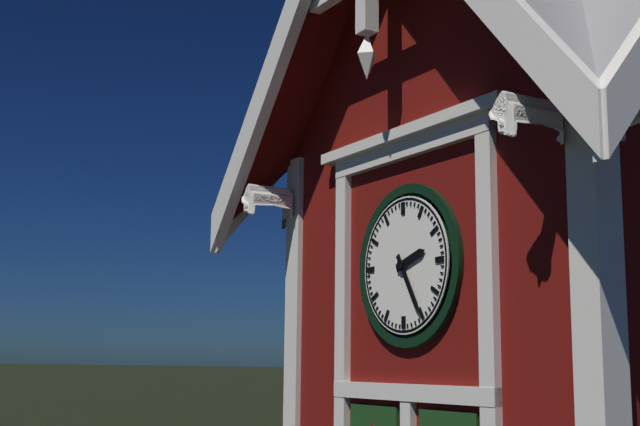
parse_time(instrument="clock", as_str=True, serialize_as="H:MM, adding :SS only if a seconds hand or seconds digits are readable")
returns 2:25
